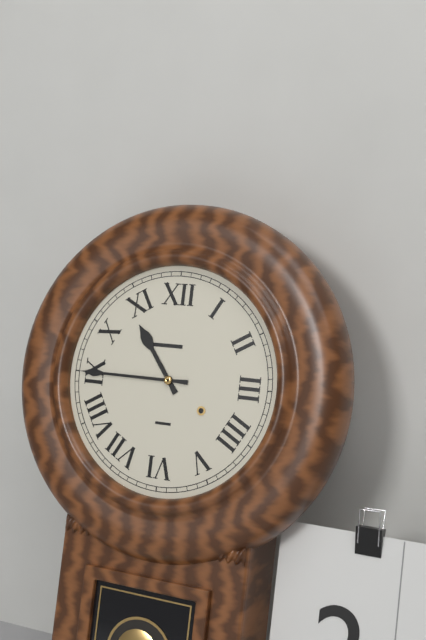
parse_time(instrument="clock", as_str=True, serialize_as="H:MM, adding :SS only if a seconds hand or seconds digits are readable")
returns 10:45
